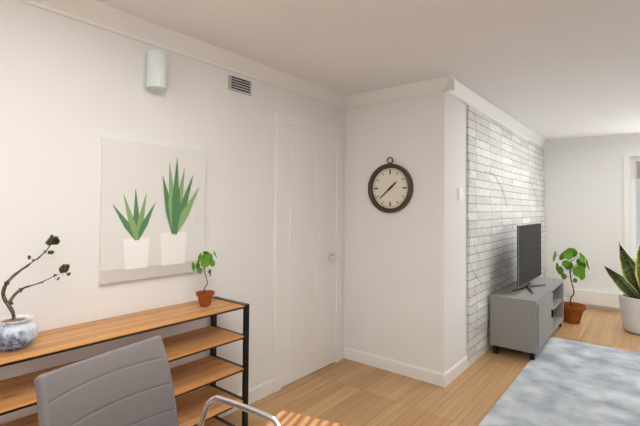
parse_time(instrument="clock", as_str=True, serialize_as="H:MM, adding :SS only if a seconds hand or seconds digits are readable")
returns 1:38
